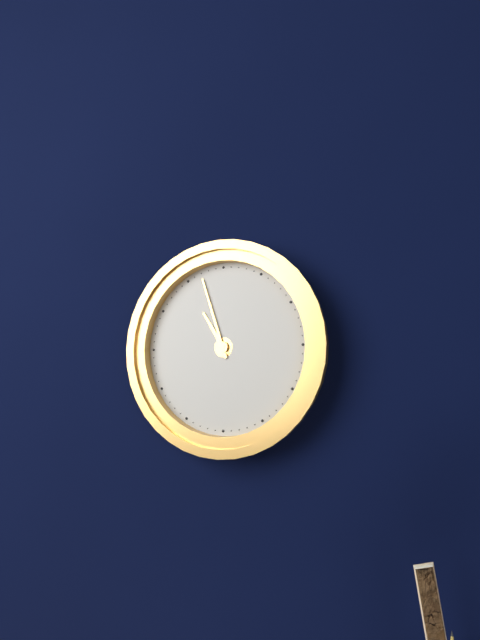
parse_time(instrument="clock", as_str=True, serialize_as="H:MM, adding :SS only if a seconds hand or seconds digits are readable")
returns 10:57
